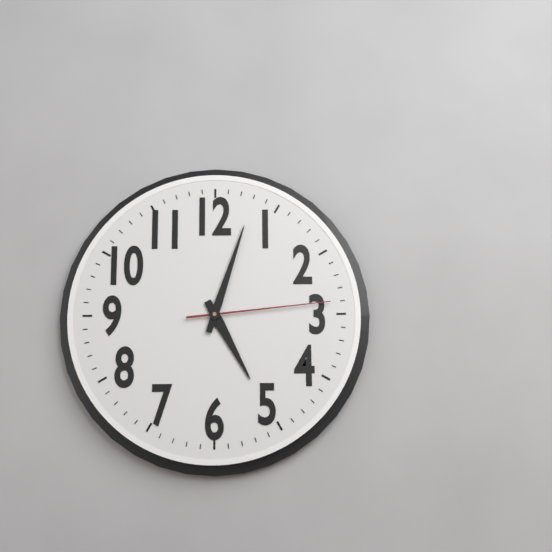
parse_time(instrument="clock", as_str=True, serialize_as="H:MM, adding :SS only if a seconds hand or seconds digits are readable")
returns 5:03:14
